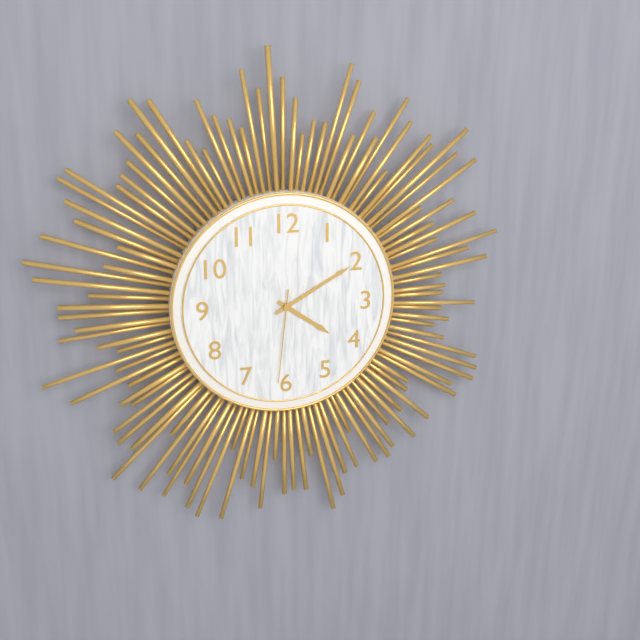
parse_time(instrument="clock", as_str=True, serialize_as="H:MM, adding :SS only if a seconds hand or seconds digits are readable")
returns 4:10:31
